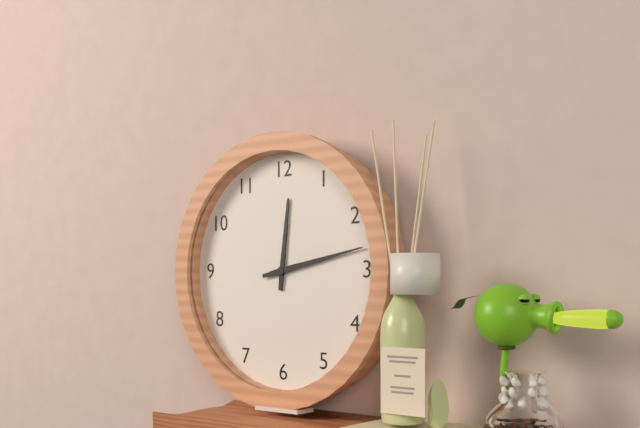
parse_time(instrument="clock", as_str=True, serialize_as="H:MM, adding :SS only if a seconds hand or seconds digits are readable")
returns 12:13
